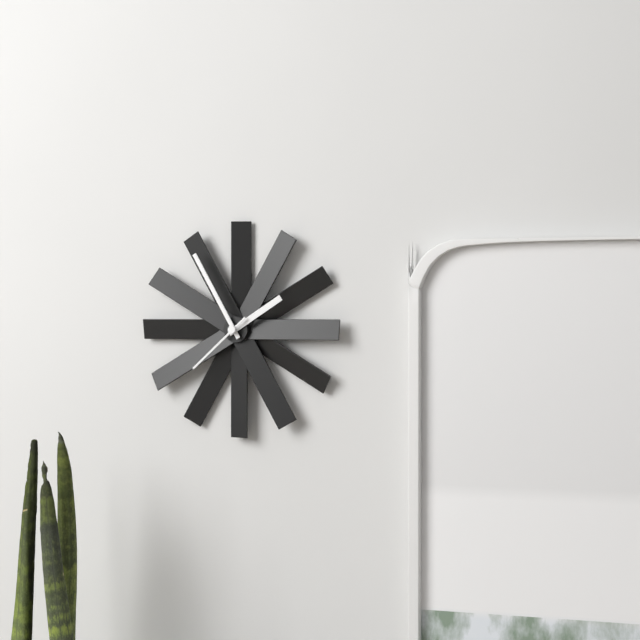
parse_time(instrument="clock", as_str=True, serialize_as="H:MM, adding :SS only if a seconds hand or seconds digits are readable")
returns 1:55:38
